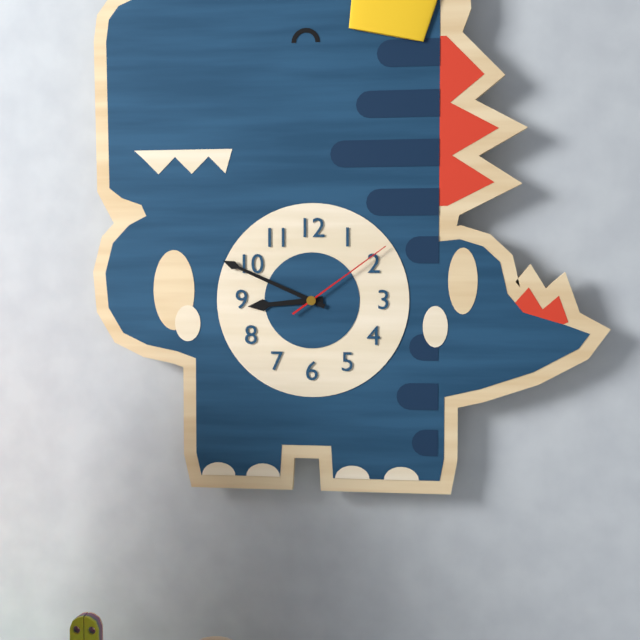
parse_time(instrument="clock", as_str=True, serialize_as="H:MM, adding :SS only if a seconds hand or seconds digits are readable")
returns 8:49:09
